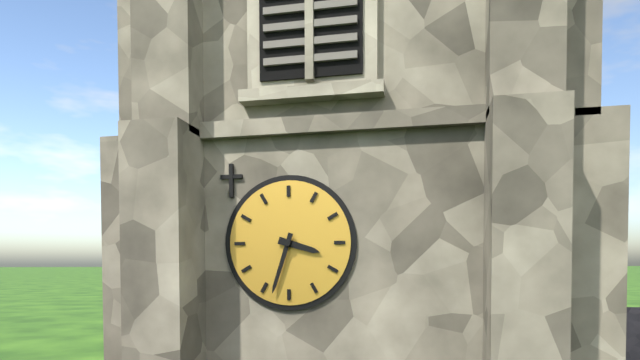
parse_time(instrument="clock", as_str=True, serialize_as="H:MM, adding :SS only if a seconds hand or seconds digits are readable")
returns 3:33
